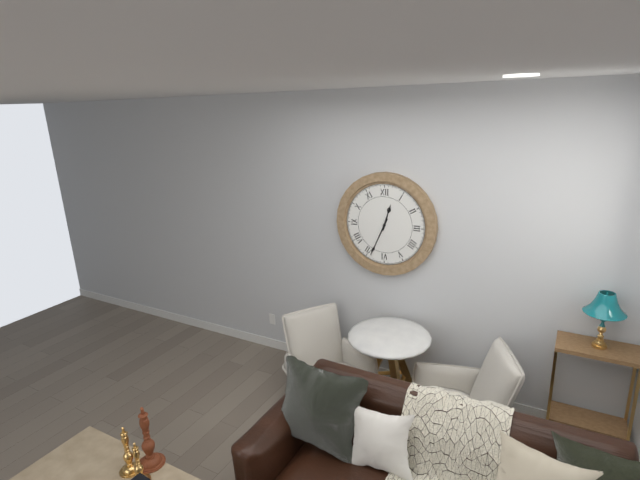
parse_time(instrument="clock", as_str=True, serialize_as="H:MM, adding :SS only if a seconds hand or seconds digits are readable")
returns 12:34
